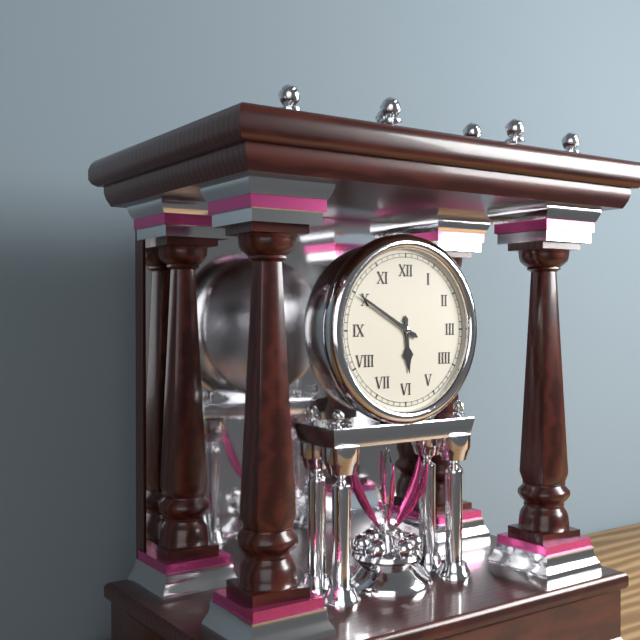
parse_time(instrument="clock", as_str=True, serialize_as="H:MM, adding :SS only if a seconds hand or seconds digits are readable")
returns 5:50
